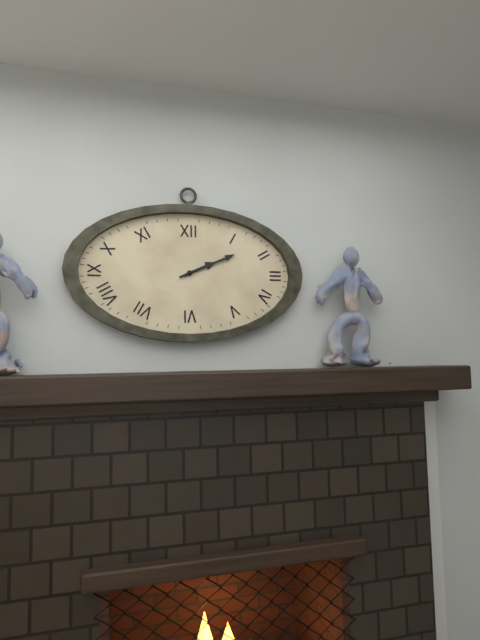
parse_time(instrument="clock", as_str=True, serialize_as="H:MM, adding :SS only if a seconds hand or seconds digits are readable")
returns 2:11
